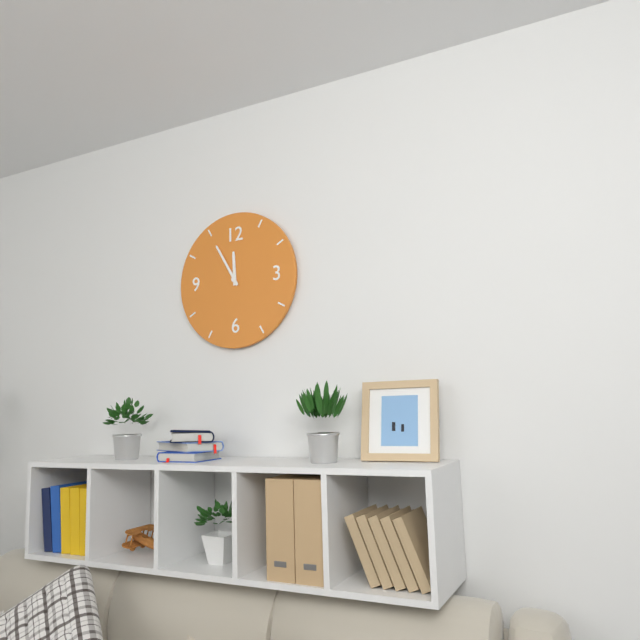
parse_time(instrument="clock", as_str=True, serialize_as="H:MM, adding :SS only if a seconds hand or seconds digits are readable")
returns 11:55
